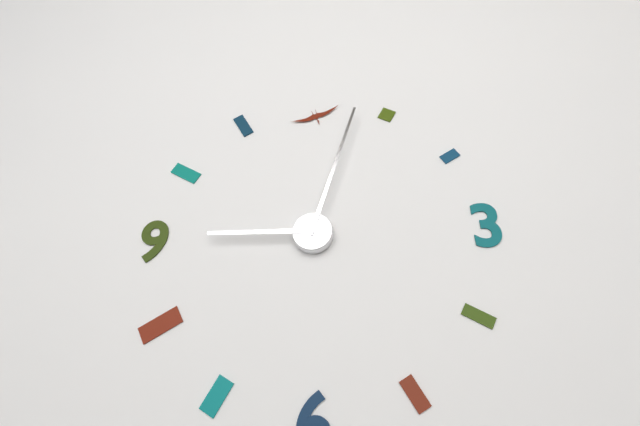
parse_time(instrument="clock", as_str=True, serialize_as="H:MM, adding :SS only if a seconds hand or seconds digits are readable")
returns 9:03
